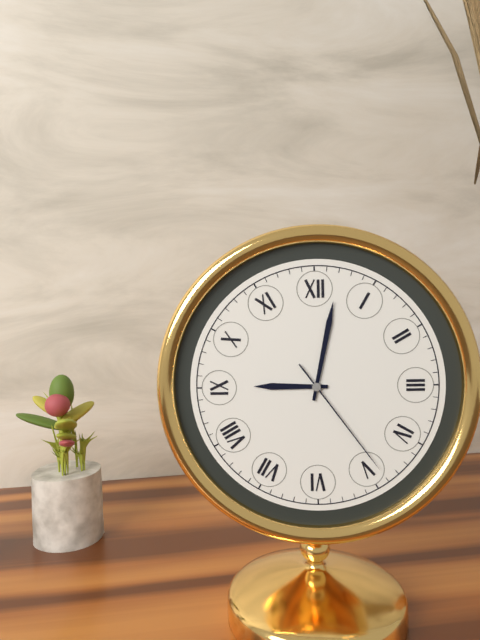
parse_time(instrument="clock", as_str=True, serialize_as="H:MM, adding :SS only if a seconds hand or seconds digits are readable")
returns 9:02:24
